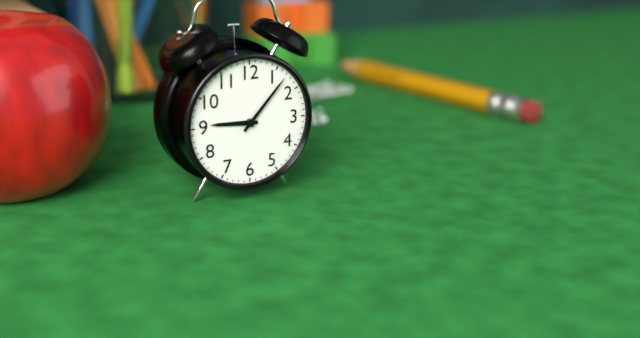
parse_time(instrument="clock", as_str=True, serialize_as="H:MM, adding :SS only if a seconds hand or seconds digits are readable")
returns 9:07
